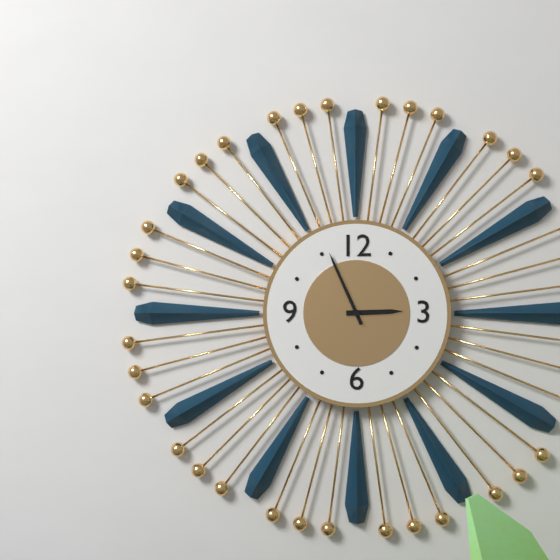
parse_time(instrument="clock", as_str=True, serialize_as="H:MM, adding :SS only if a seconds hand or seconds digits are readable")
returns 2:56
